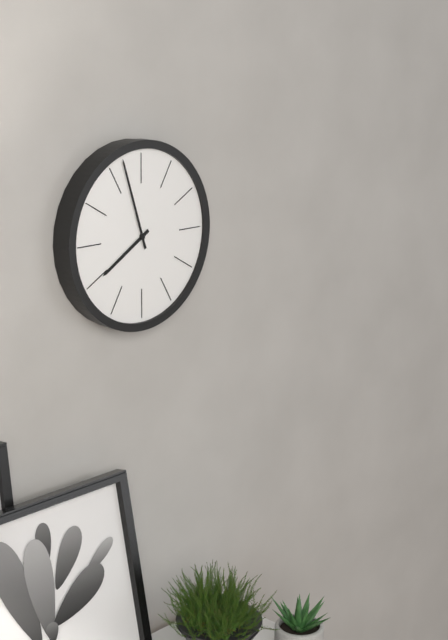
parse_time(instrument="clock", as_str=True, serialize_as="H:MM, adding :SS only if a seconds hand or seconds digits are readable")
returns 7:57
